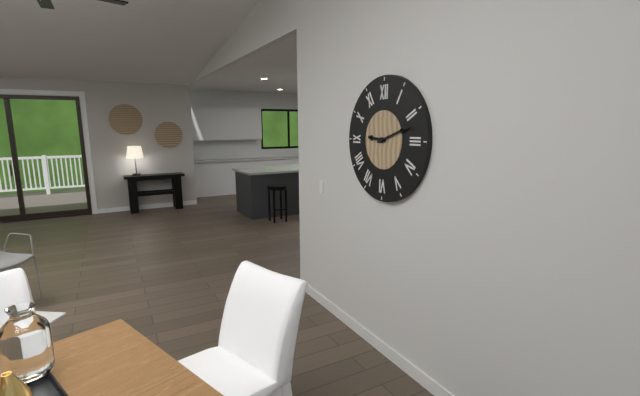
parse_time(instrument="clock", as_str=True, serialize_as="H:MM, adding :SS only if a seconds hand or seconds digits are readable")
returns 9:12
